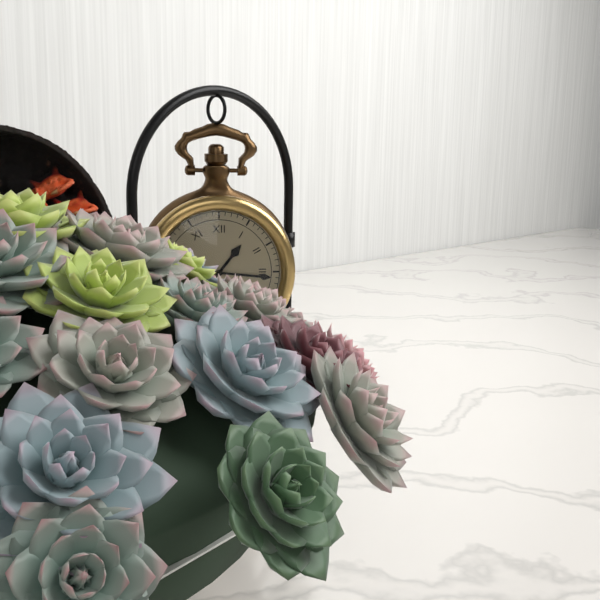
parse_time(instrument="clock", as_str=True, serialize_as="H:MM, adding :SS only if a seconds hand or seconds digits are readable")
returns 1:16
